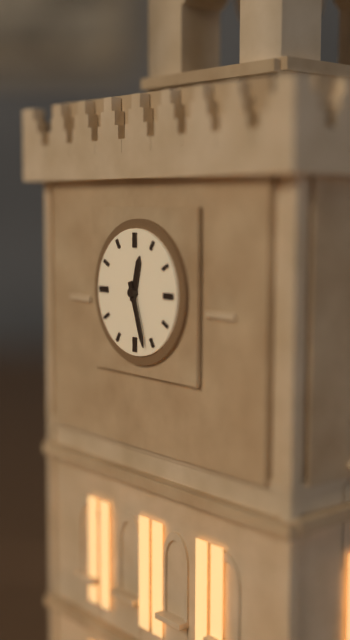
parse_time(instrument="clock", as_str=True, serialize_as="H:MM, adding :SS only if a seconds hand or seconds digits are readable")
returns 12:27
